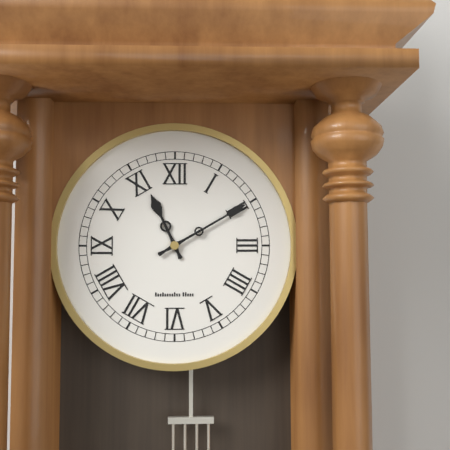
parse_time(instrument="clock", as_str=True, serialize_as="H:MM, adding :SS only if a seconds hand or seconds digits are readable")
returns 11:10
